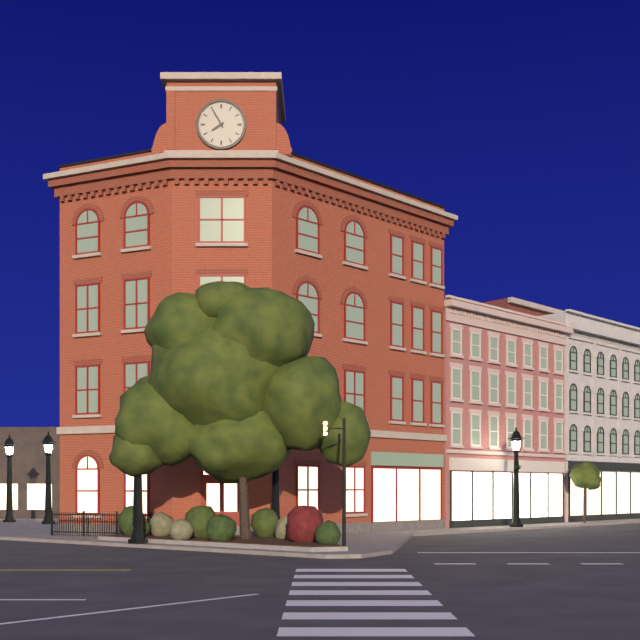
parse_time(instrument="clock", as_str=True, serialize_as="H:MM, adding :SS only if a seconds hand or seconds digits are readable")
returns 7:55
